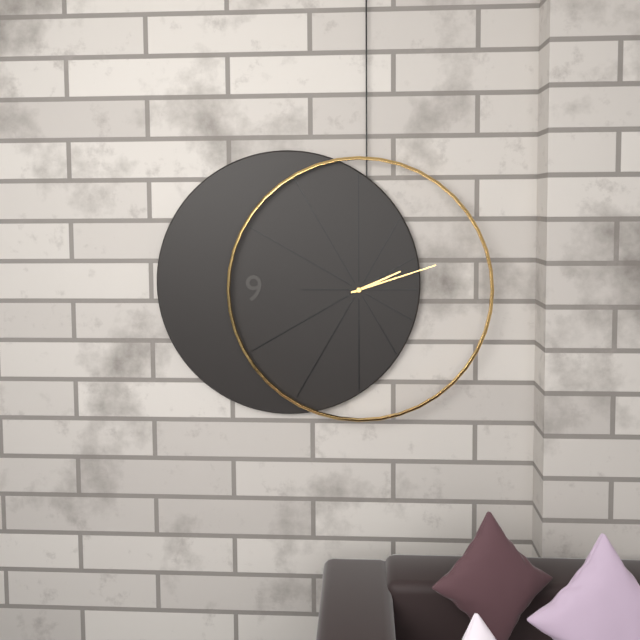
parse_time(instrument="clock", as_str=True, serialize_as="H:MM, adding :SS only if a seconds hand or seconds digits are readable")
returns 2:12
